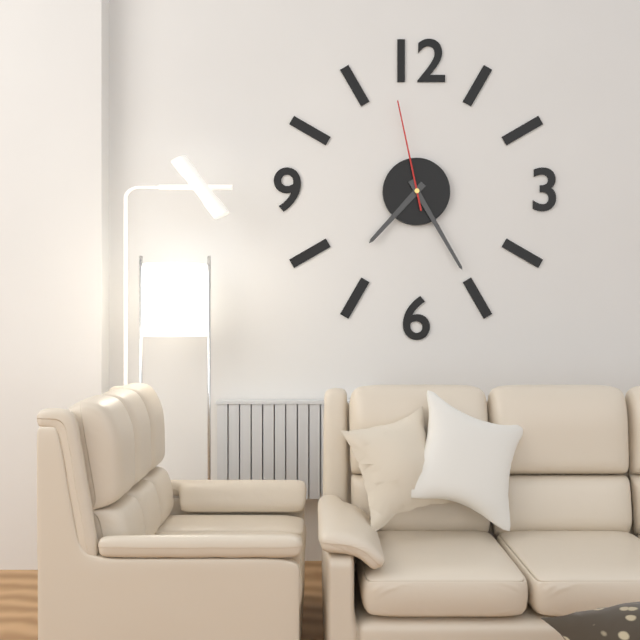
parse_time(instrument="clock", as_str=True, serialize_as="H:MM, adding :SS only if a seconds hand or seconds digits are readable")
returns 7:25:58
